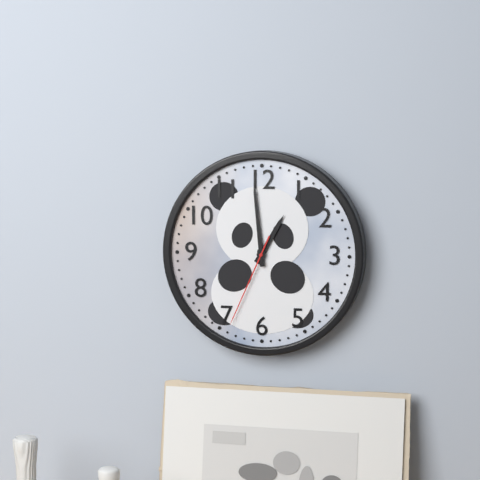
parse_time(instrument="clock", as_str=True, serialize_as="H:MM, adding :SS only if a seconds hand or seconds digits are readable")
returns 12:59:34
